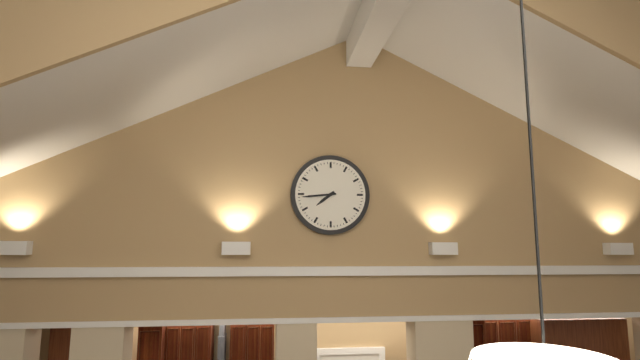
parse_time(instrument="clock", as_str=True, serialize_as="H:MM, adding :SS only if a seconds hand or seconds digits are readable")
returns 7:44
